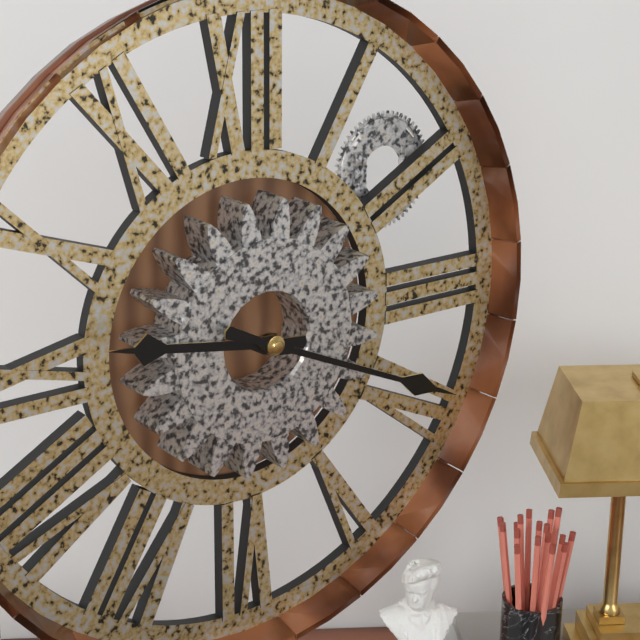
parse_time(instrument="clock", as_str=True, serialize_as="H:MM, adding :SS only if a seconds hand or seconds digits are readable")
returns 9:19
